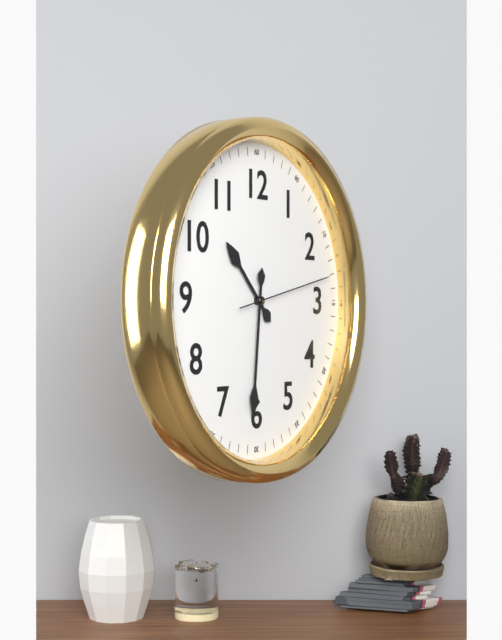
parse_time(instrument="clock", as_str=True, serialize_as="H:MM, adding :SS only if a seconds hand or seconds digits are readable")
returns 10:31:13
